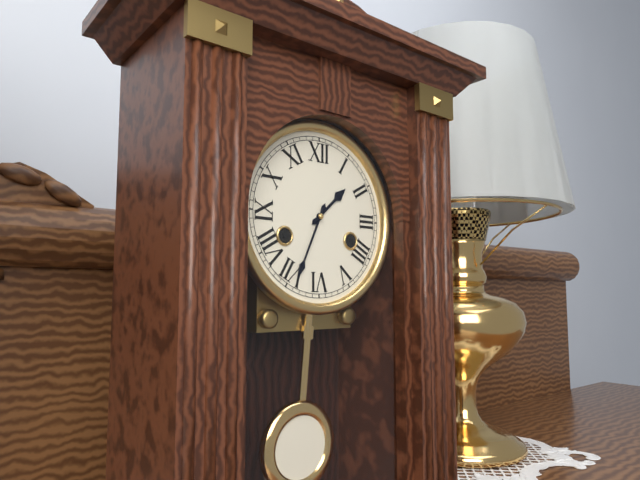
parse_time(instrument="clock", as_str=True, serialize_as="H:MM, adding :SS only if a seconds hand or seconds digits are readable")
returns 1:34
